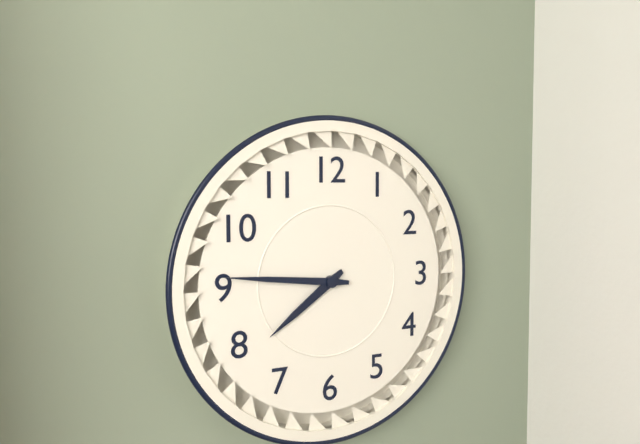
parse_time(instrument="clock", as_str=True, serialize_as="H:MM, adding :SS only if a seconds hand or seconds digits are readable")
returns 7:46
